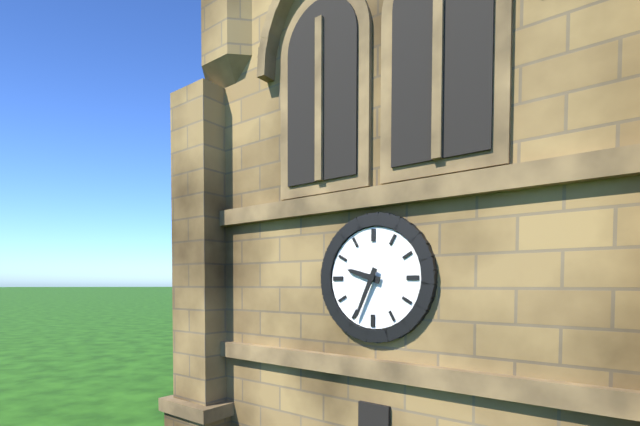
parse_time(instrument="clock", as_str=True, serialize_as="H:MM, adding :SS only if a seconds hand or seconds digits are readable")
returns 9:34
